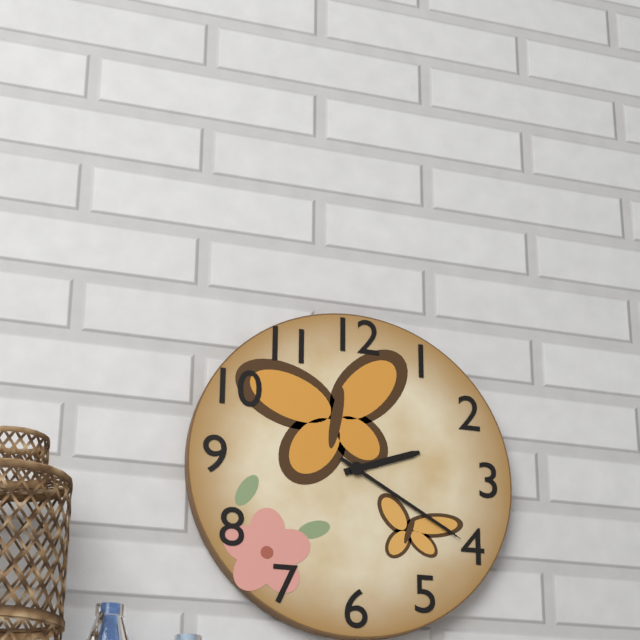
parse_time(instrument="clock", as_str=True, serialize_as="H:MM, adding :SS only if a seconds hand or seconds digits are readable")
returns 2:20
